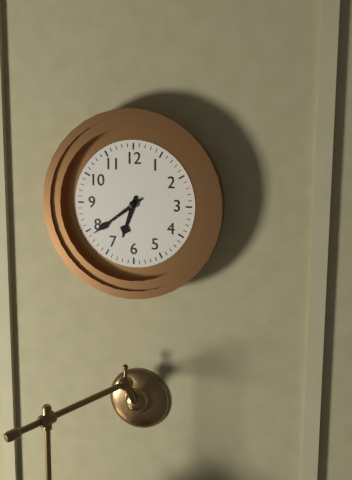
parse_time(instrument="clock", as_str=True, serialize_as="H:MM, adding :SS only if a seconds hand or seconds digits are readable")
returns 6:39
